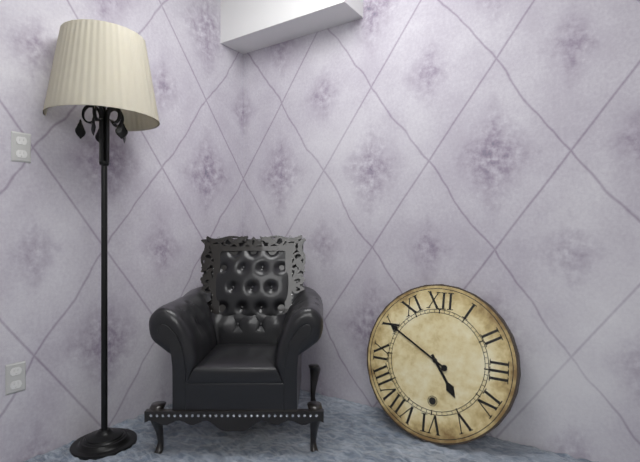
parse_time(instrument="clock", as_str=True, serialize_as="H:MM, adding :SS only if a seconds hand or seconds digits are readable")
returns 4:50
